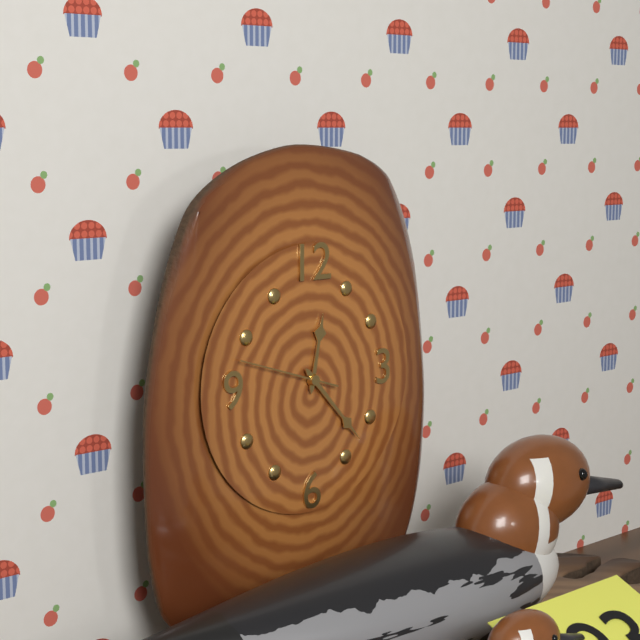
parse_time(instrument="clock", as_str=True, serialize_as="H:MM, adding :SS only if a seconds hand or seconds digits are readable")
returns 12:23:48
